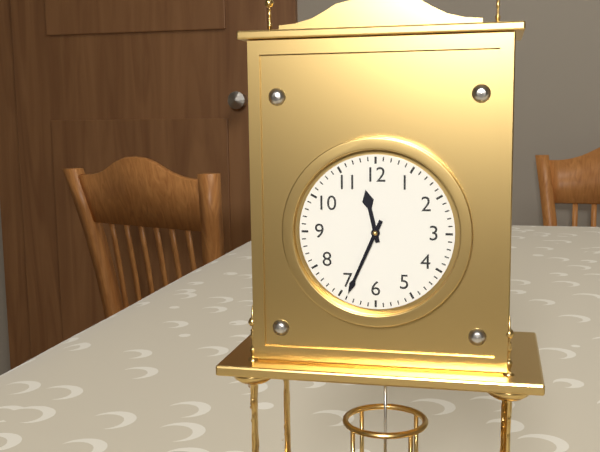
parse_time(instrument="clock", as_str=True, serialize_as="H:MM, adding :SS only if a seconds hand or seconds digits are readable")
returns 11:34
